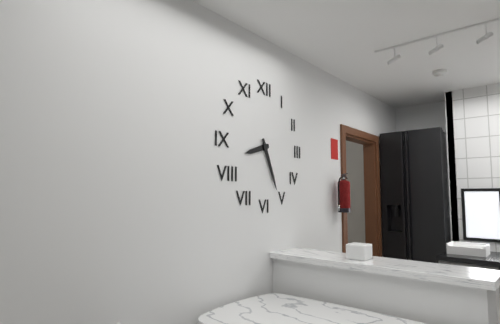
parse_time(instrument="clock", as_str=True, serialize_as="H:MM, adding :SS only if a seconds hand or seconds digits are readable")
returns 8:26
